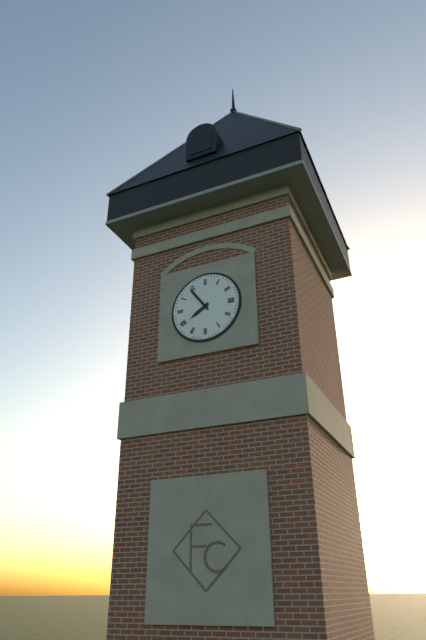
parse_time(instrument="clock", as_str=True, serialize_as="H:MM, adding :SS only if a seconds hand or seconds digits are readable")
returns 7:54
